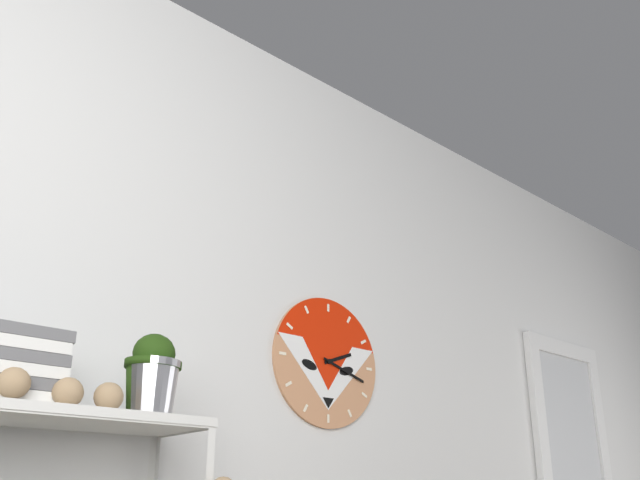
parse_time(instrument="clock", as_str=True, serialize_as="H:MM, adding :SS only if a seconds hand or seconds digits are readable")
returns 2:18
